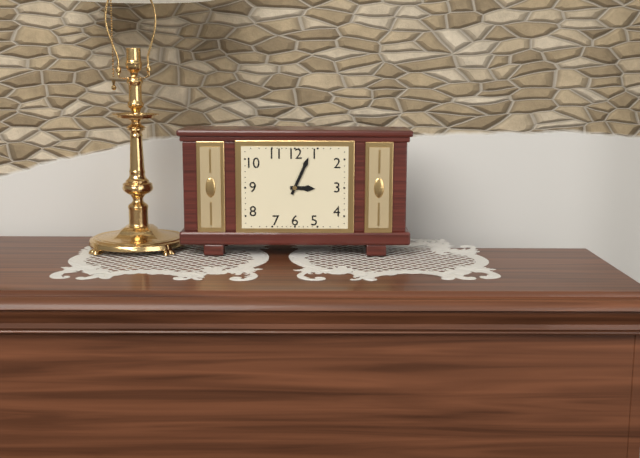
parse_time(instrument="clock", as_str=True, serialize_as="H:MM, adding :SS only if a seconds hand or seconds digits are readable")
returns 3:04
